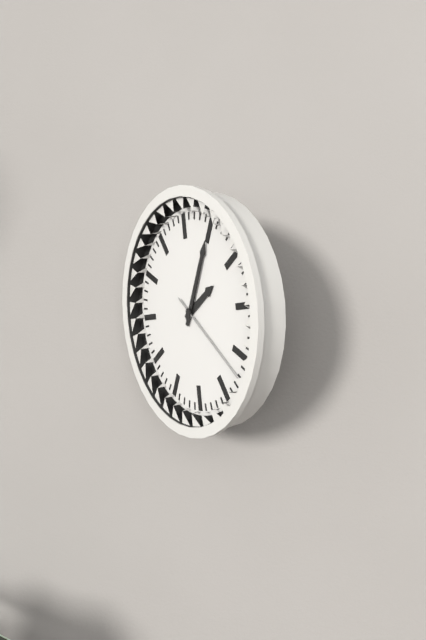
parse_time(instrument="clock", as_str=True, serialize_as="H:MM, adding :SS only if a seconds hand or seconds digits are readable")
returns 2:05:22
